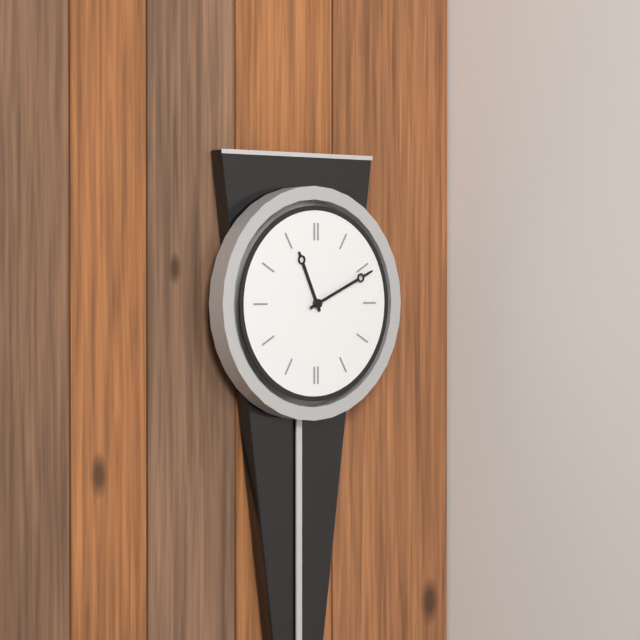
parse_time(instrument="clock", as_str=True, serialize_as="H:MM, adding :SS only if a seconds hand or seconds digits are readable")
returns 11:11
